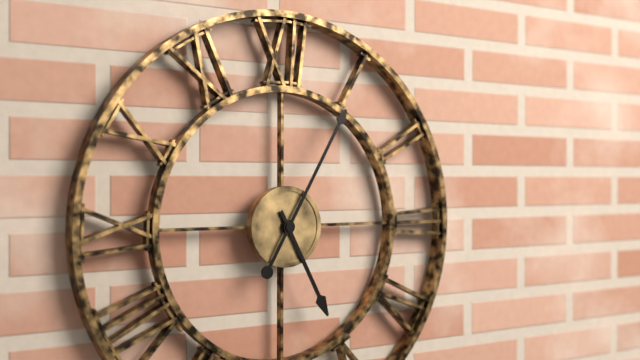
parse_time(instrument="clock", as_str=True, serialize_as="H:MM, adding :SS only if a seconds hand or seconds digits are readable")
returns 5:05
